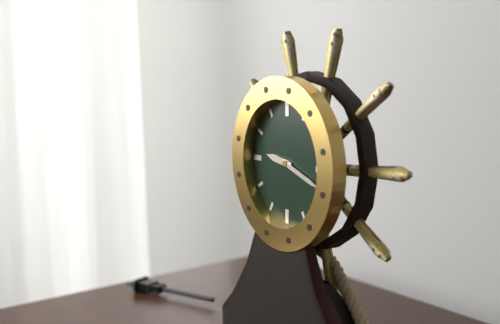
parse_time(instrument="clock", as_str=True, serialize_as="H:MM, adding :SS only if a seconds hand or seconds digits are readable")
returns 9:18
